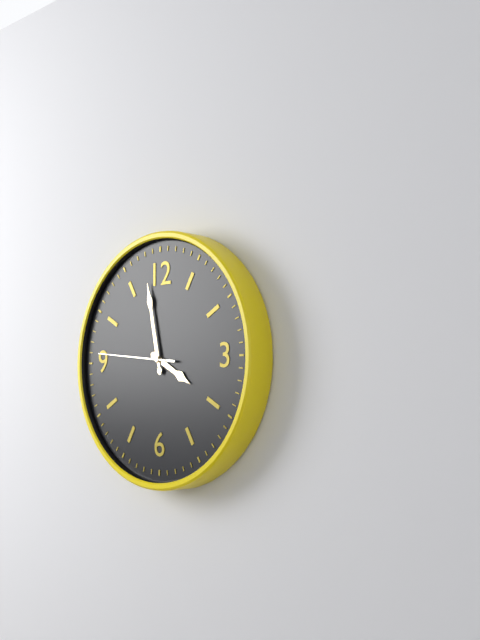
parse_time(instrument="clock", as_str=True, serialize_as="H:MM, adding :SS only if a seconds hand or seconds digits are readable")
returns 3:58:46
